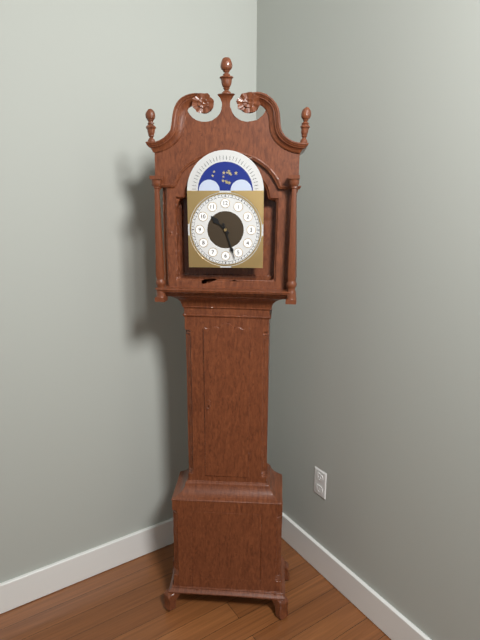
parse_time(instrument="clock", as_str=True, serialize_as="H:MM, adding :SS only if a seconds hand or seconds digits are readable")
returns 10:27
